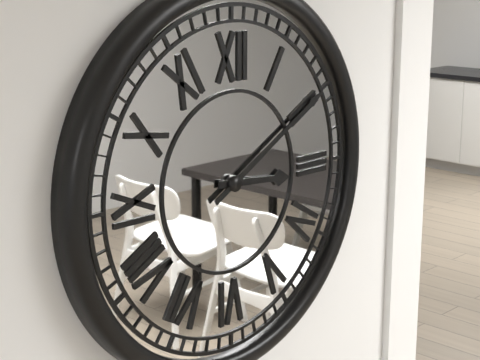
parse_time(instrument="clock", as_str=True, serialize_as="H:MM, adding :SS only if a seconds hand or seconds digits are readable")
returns 3:10
